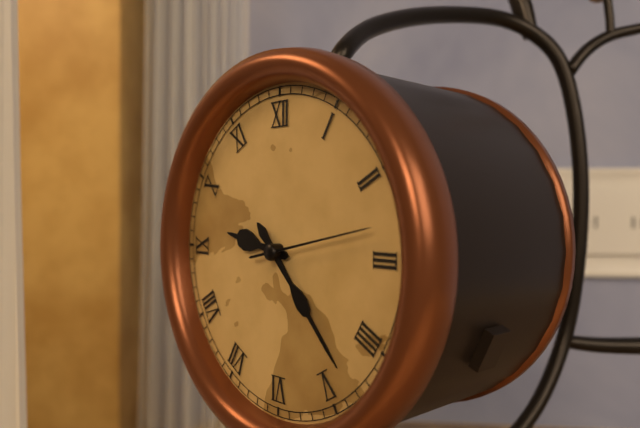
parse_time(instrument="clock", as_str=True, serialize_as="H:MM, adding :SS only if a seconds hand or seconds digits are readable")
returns 9:23:13
